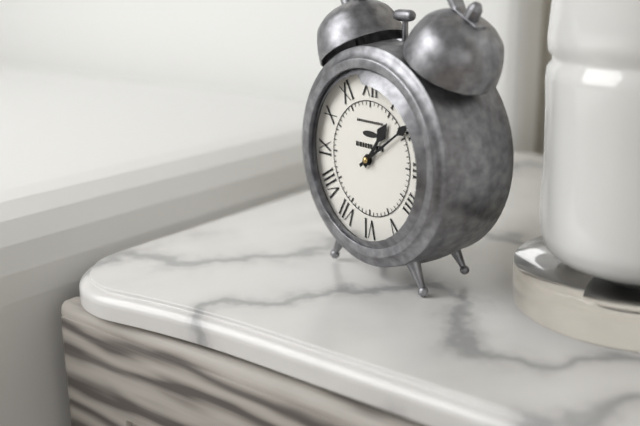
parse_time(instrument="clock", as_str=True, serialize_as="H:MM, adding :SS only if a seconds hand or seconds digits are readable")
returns 1:09
